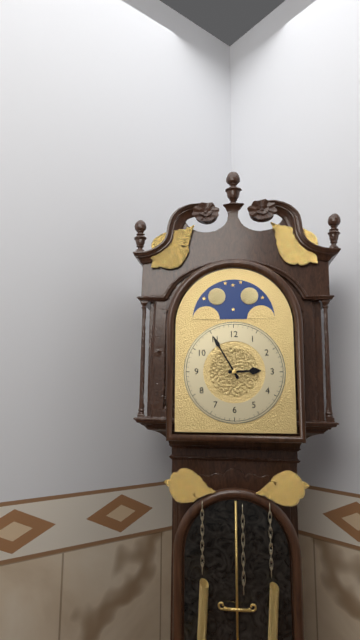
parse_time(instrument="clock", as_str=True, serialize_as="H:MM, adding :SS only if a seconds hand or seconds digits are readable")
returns 2:55
